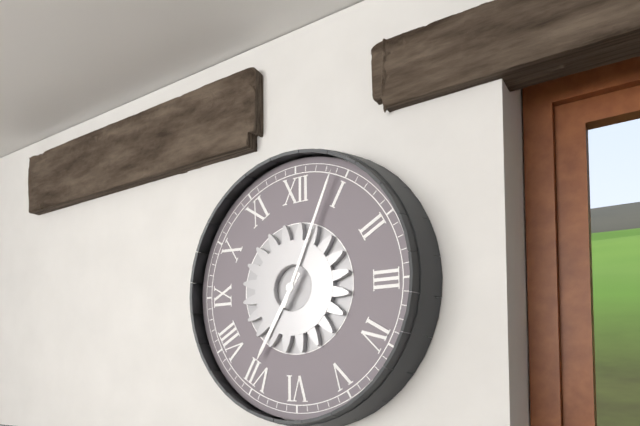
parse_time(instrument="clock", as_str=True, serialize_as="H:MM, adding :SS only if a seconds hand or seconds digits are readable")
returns 7:04
